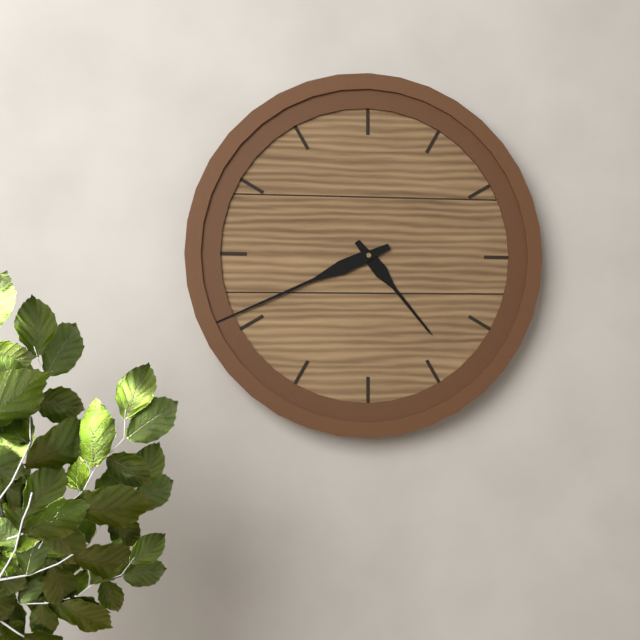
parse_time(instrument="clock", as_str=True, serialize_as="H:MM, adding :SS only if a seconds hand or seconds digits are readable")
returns 4:41
